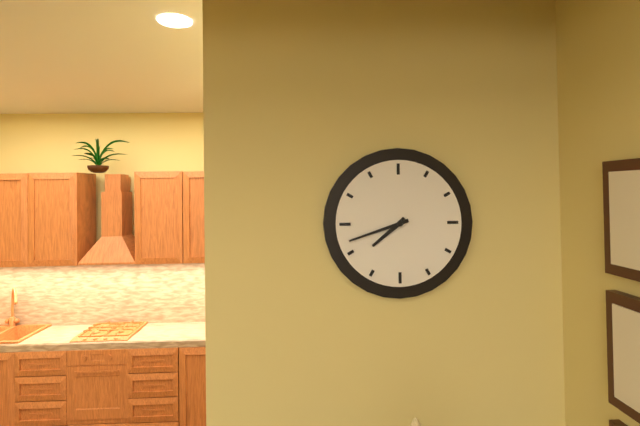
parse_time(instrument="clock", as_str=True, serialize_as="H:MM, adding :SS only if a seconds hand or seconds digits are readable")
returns 7:42
